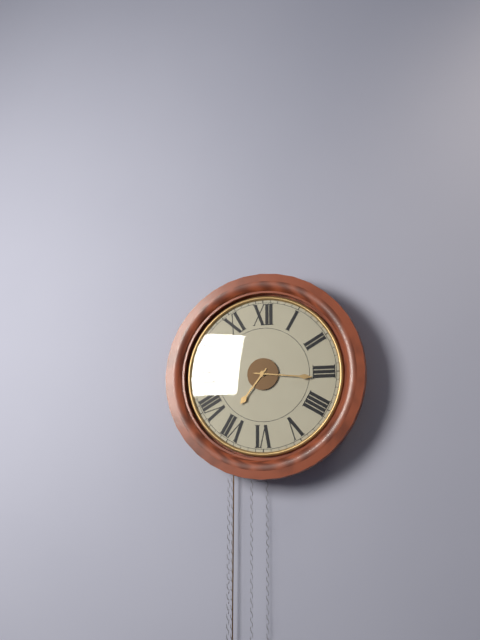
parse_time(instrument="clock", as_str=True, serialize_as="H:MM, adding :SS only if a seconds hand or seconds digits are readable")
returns 7:16
